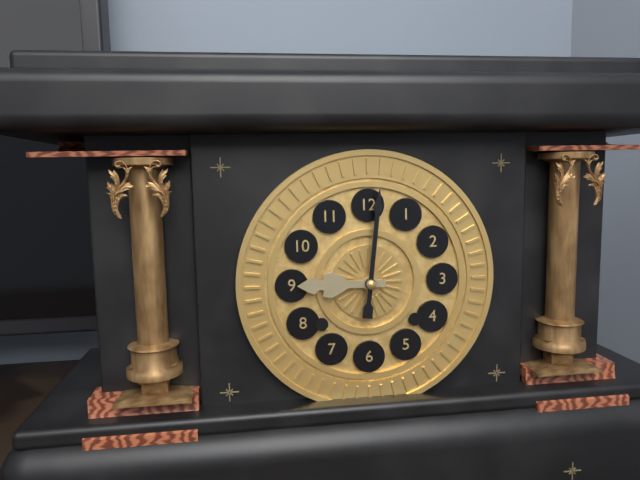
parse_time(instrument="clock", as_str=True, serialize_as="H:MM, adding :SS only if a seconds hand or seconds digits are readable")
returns 9:01
